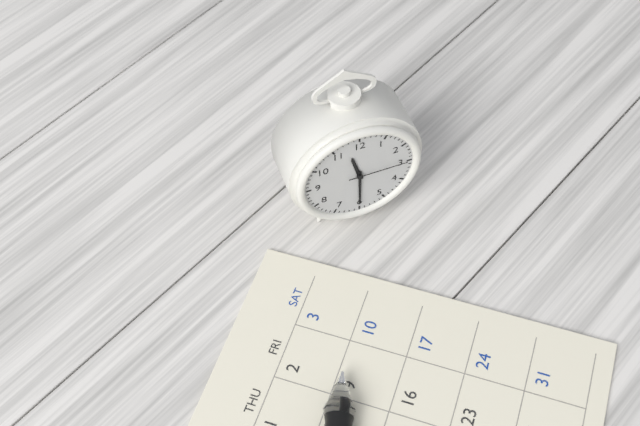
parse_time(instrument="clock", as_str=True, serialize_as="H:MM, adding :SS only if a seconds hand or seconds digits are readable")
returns 11:30:15
